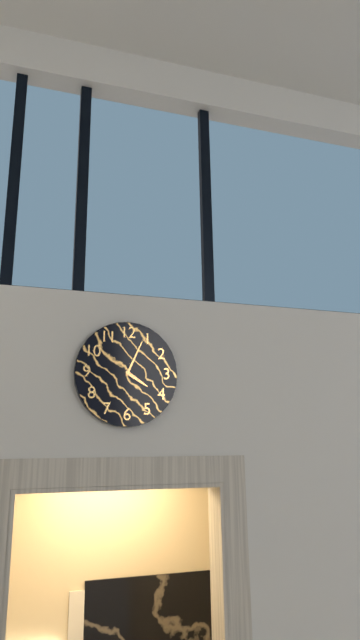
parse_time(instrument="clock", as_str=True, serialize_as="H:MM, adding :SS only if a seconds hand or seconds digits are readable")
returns 4:04
